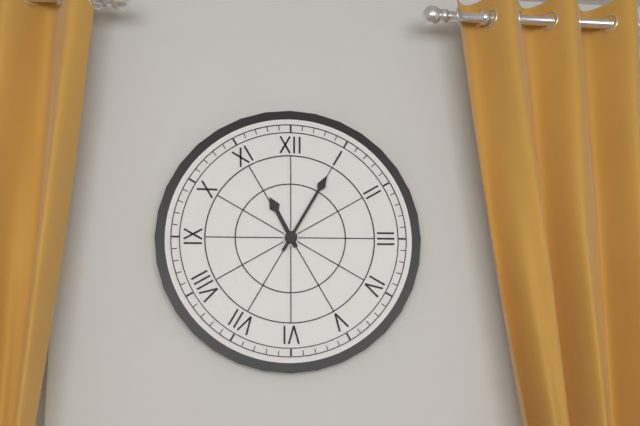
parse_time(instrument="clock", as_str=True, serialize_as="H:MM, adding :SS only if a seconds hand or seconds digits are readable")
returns 11:05
